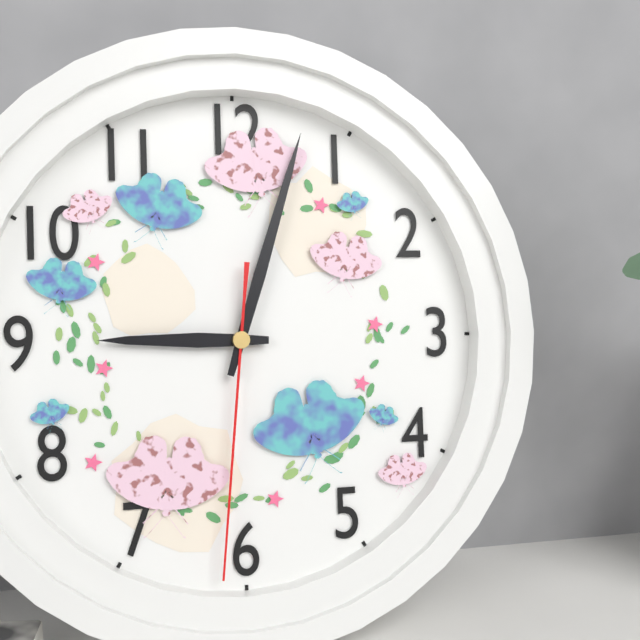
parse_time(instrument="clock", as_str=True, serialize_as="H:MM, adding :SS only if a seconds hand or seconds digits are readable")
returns 9:03:31
